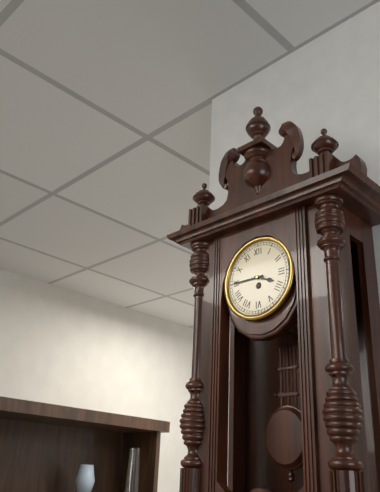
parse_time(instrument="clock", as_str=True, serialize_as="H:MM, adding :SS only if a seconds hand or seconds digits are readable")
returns 3:45
